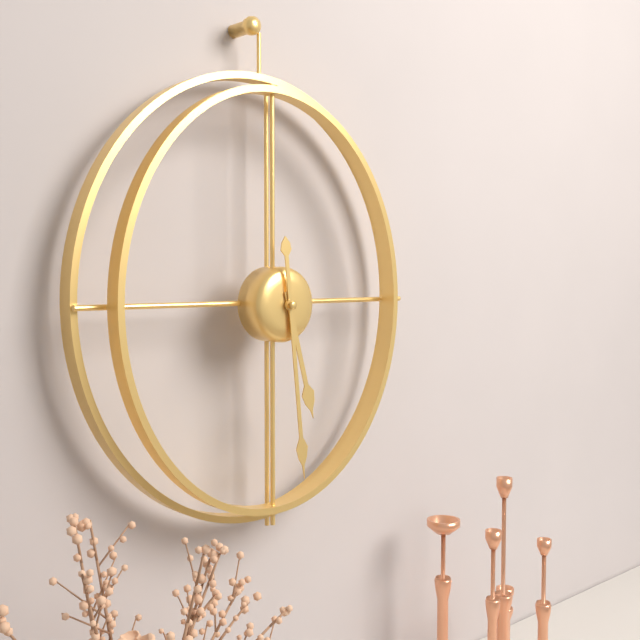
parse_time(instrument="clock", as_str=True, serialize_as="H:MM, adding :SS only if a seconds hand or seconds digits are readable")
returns 5:29
